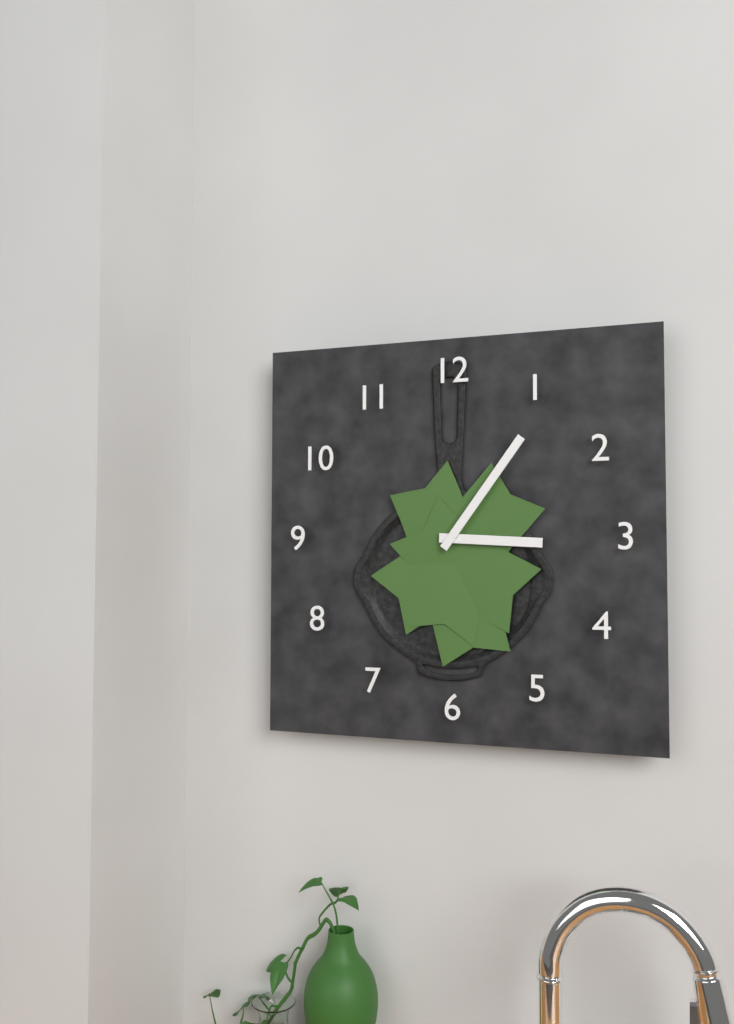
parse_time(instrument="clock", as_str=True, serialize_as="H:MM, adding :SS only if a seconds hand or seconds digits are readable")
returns 3:06
